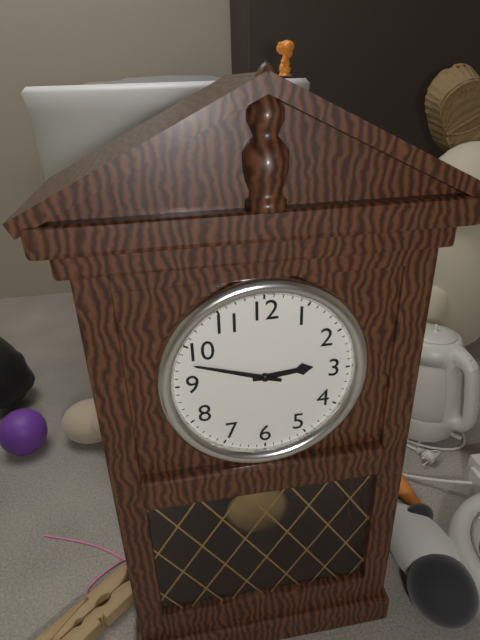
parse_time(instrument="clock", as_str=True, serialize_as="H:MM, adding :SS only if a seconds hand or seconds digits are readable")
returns 2:48
